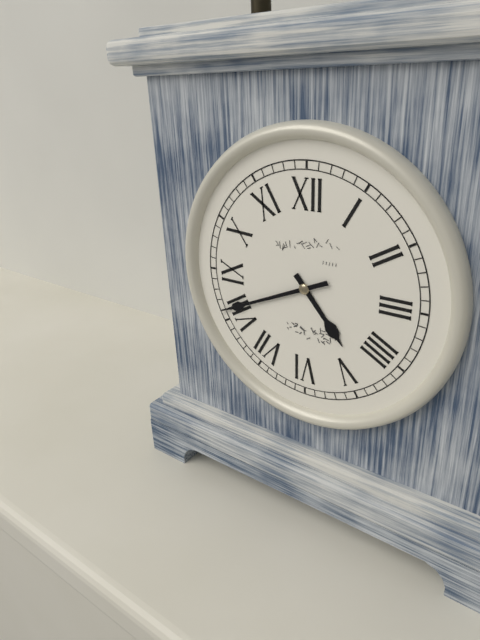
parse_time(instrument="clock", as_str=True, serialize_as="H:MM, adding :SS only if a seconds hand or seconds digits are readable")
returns 4:41
